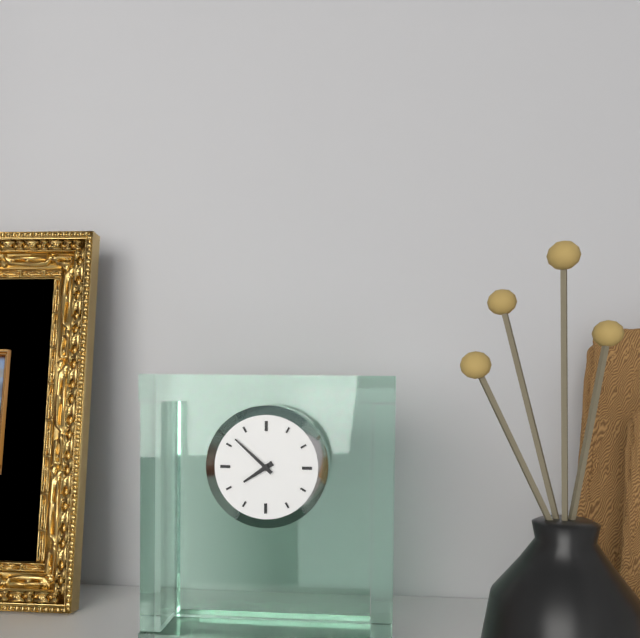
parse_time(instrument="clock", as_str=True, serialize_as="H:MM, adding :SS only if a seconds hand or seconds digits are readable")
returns 7:52
